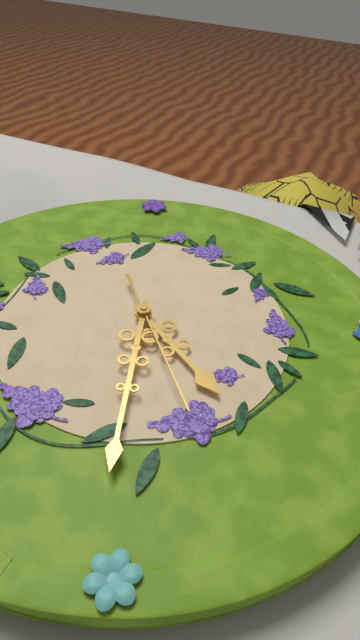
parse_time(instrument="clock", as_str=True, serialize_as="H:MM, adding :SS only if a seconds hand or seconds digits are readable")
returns 4:29:25
